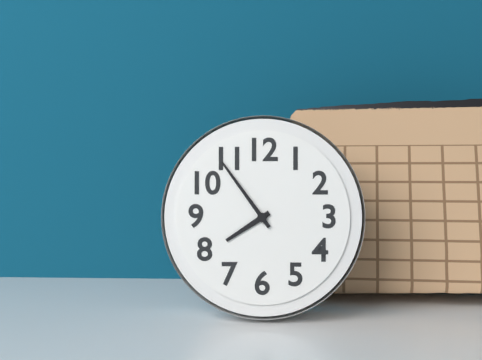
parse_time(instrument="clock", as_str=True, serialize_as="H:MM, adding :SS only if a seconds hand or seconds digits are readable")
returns 7:54
